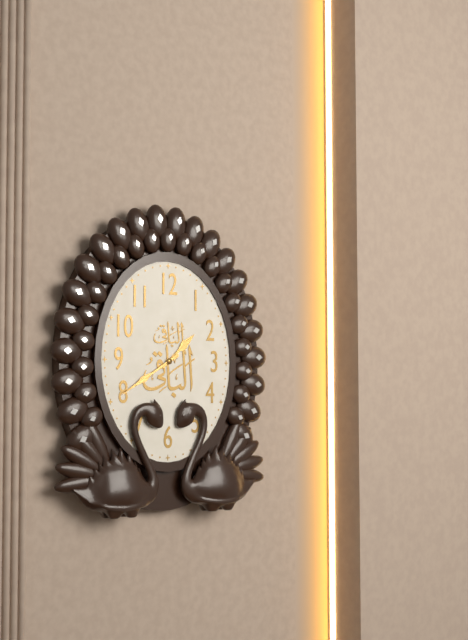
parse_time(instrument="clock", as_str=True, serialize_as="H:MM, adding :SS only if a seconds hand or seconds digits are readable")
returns 1:40
